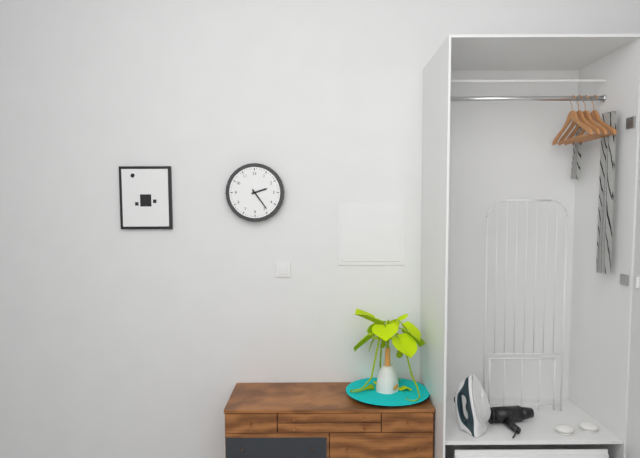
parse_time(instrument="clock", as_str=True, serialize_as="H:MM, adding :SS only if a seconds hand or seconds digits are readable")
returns 2:24
